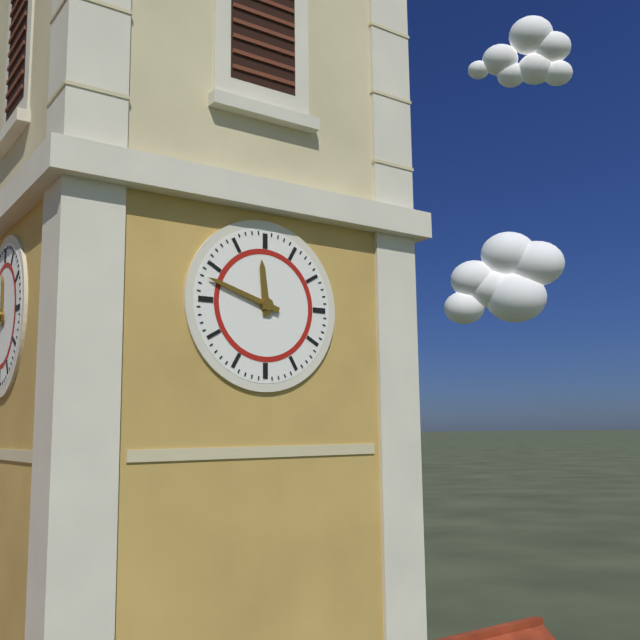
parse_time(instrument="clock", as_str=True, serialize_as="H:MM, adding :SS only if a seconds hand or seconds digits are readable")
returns 11:48
